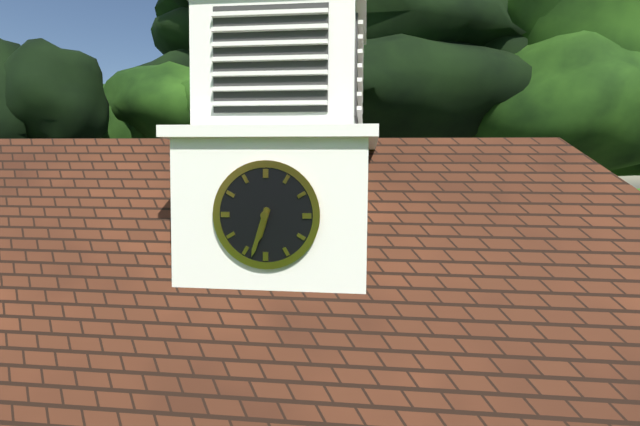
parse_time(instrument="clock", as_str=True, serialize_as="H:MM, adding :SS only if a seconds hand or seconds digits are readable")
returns 6:33
